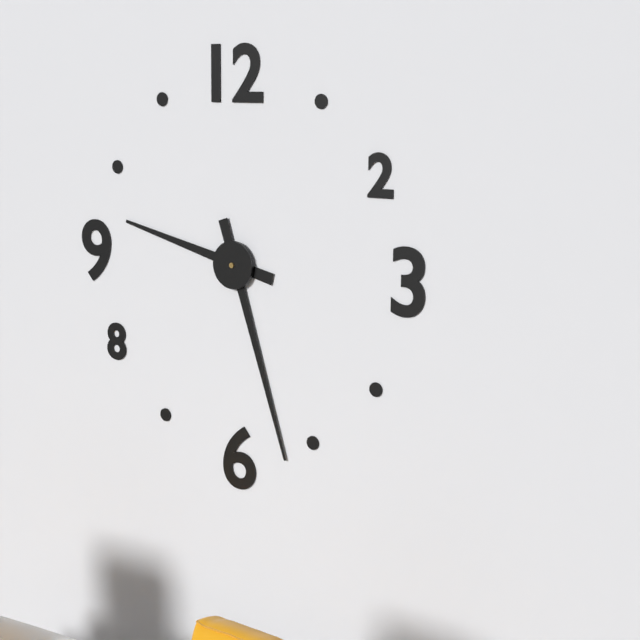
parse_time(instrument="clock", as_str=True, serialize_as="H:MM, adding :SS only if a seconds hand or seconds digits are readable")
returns 9:27
